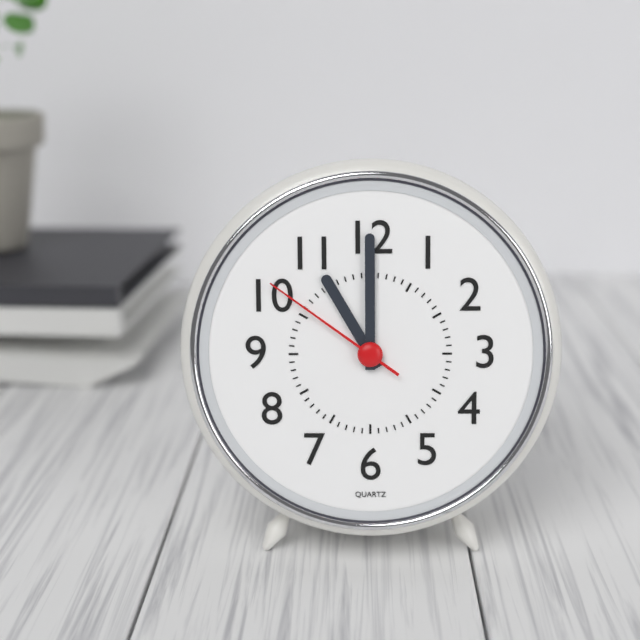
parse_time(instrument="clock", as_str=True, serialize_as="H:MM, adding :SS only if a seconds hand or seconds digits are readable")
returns 11:00:51
